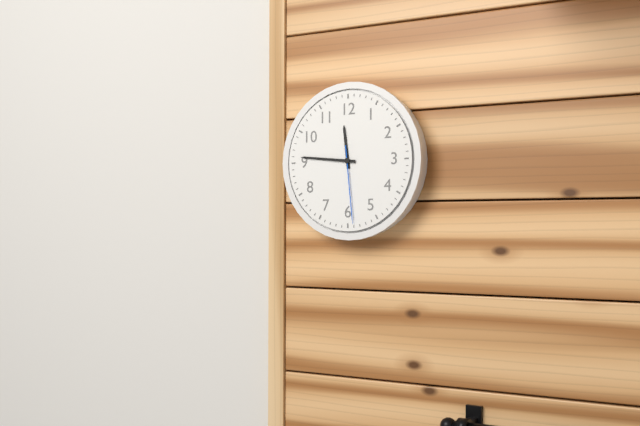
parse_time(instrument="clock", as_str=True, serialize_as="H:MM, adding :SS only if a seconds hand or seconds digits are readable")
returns 11:46:29
